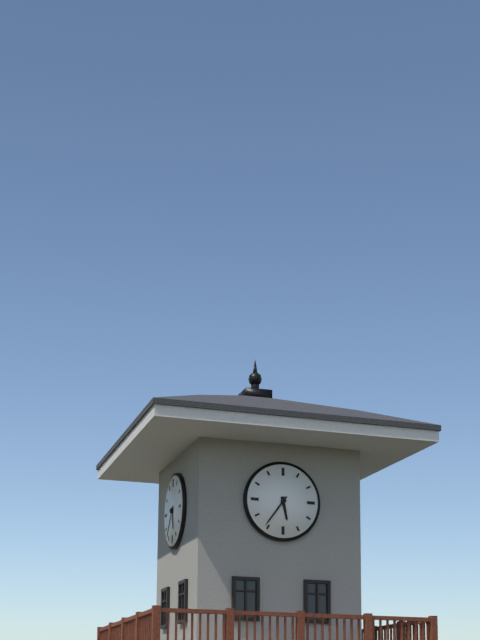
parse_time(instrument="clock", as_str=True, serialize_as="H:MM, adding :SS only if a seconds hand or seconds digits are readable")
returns 5:36
